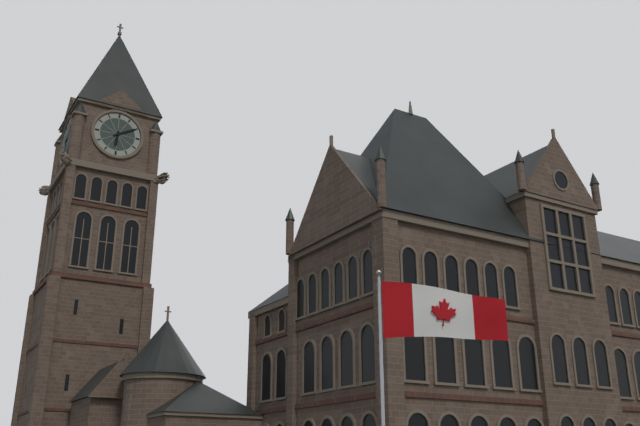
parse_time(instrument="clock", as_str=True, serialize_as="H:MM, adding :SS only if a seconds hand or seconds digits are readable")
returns 6:10
